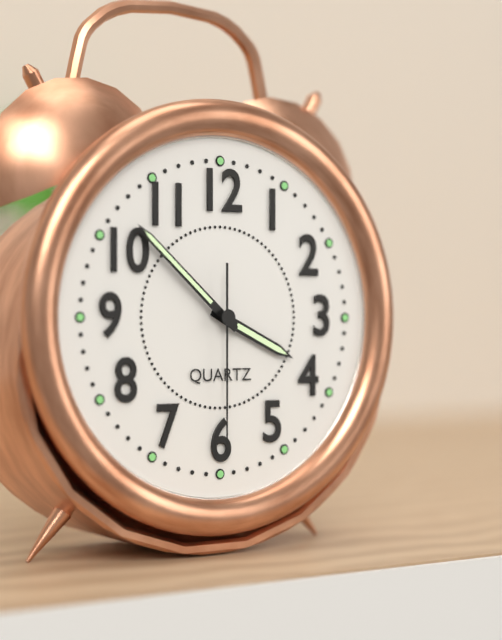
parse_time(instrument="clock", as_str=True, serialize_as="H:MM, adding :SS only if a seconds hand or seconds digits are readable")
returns 3:52:30
